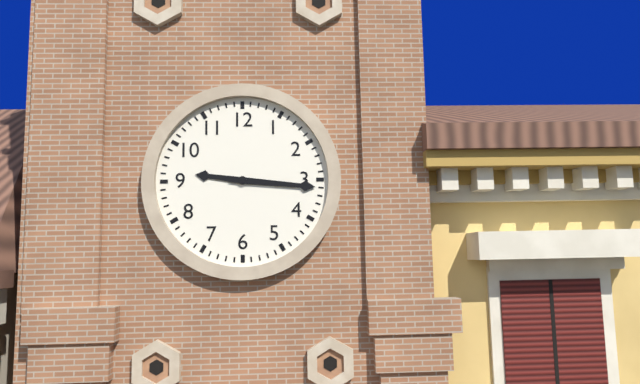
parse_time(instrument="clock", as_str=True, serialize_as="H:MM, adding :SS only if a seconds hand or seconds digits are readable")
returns 9:16
